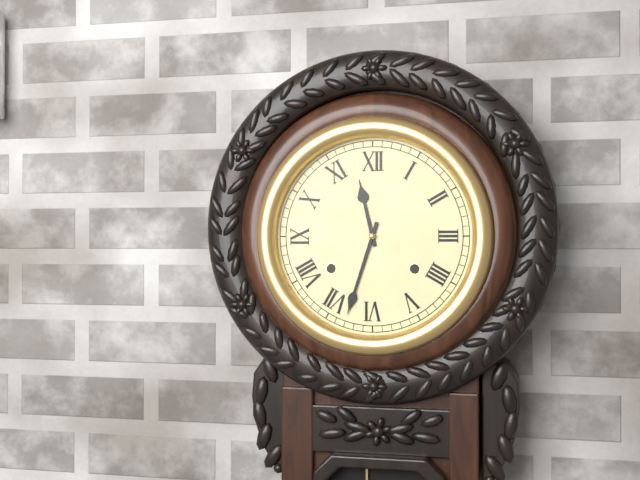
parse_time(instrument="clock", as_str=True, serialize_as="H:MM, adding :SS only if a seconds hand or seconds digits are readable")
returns 11:33
